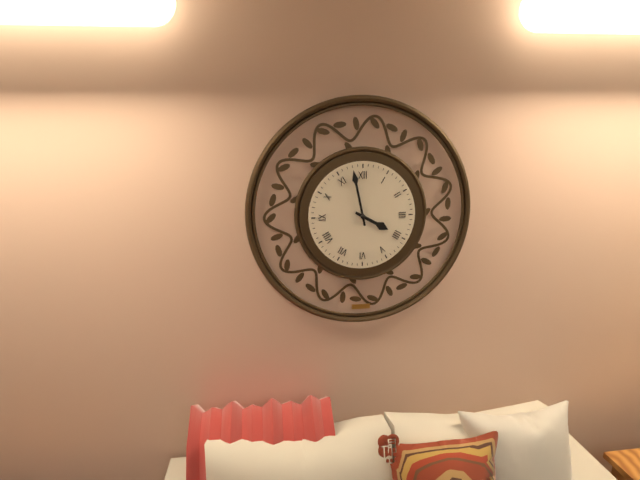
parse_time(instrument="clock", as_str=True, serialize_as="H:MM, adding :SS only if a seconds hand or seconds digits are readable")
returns 3:58
